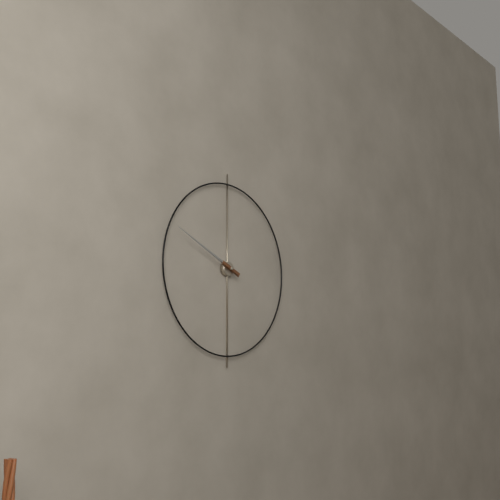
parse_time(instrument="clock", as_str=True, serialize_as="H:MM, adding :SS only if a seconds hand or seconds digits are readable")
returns 9:49
